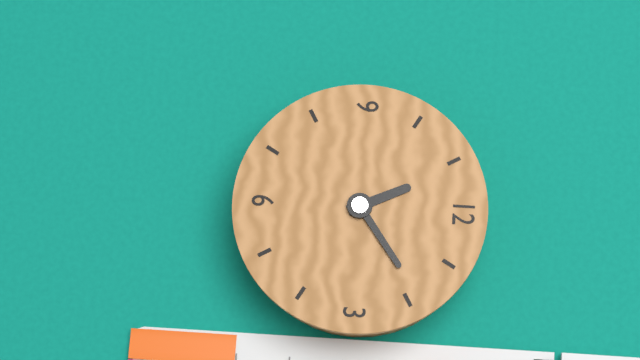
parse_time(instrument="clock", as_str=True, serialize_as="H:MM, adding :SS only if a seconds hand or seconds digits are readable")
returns 11:09
